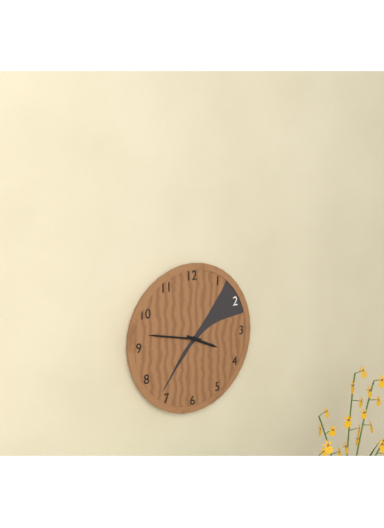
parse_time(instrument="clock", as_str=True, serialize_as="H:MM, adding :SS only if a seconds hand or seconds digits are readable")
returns 3:47
